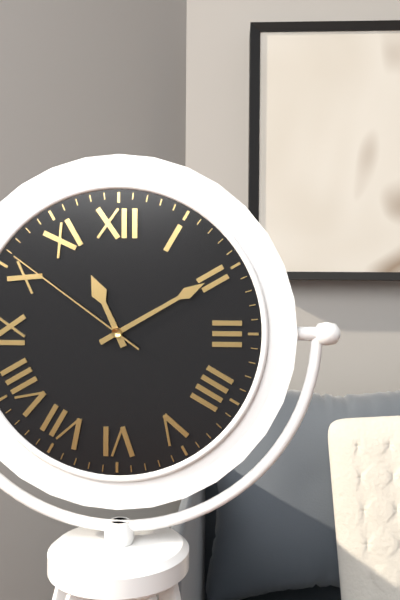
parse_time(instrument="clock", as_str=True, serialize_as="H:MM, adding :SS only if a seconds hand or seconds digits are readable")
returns 11:10:51
